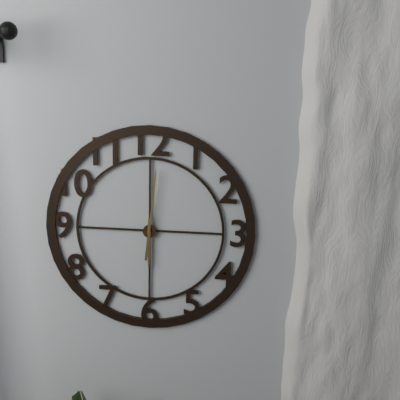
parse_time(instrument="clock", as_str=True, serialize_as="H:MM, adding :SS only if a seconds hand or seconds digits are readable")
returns 6:01
